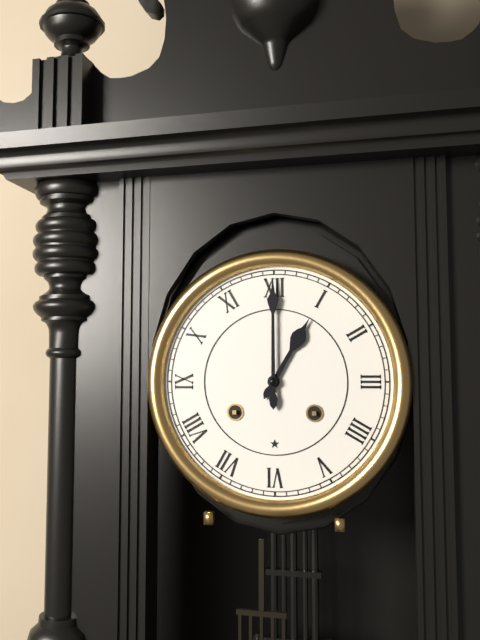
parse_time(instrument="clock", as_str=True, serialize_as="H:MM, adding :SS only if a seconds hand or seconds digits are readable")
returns 1:00
